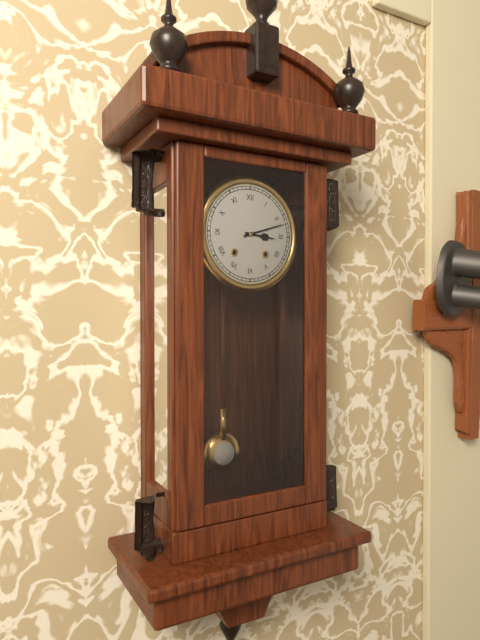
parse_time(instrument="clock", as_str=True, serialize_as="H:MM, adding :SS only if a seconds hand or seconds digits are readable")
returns 3:12
